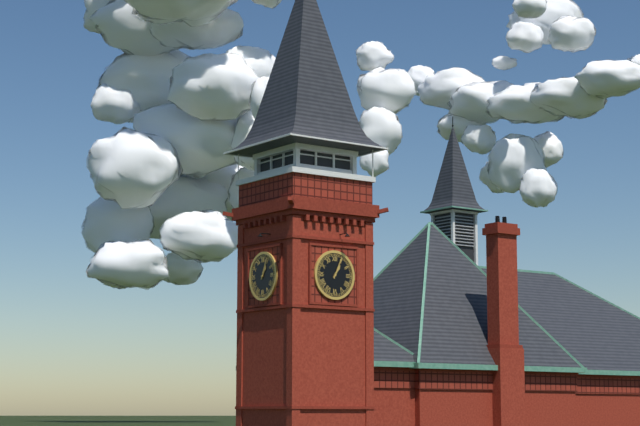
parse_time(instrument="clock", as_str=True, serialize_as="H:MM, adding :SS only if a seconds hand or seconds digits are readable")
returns 1:04
